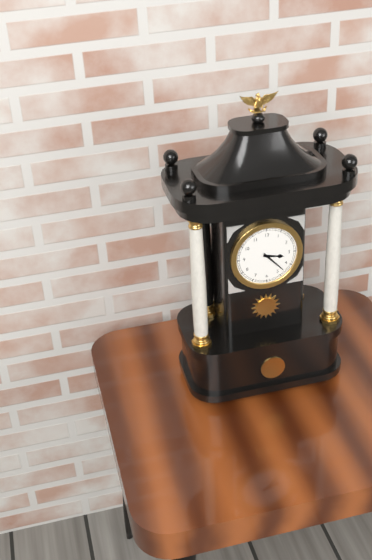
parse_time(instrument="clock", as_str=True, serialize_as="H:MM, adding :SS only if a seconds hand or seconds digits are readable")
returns 3:23
